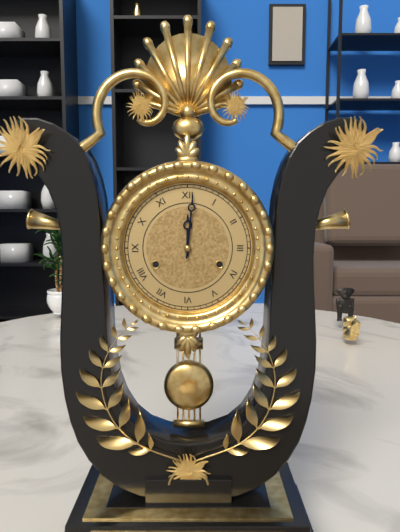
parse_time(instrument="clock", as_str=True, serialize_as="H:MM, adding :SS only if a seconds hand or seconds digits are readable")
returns 12:01
